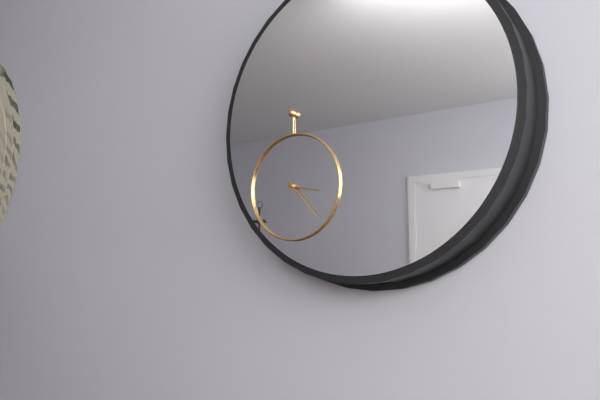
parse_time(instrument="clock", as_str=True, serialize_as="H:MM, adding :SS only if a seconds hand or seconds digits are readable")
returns 3:23
